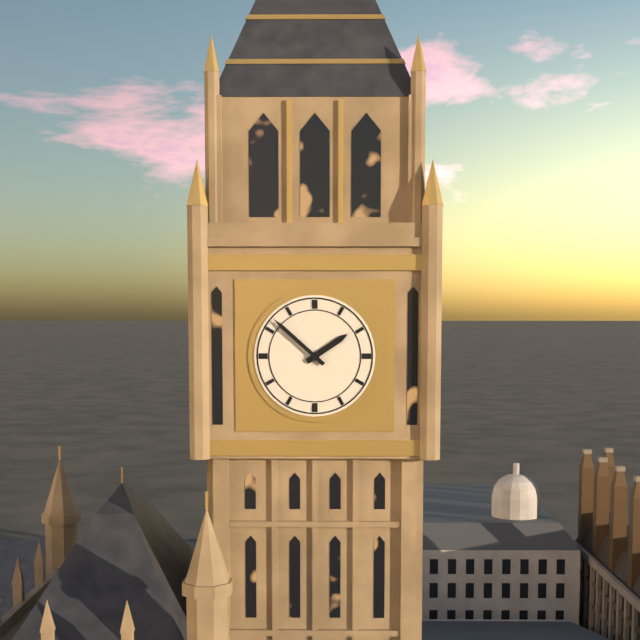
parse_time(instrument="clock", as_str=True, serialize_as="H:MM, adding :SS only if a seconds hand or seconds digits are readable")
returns 1:52
